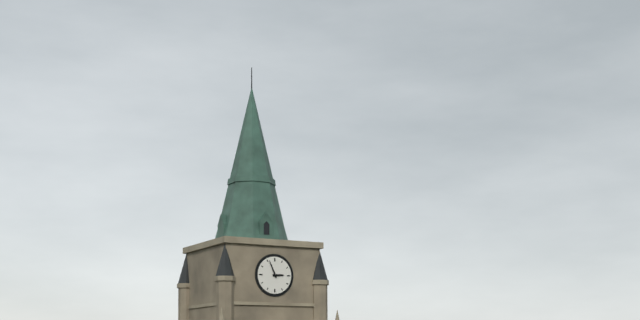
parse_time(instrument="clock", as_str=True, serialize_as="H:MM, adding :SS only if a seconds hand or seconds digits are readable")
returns 2:56
